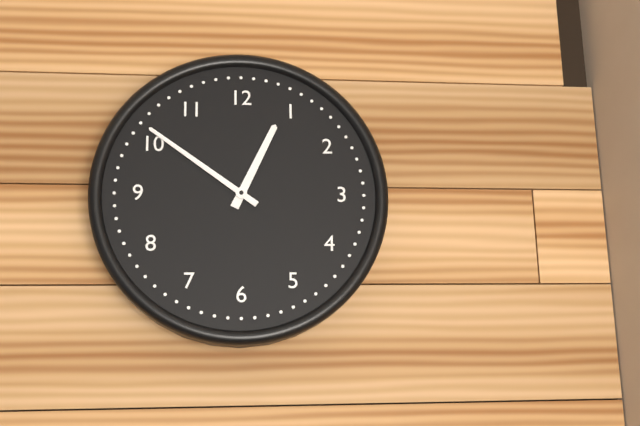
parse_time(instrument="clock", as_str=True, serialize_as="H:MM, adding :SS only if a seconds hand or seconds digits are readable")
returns 12:51
